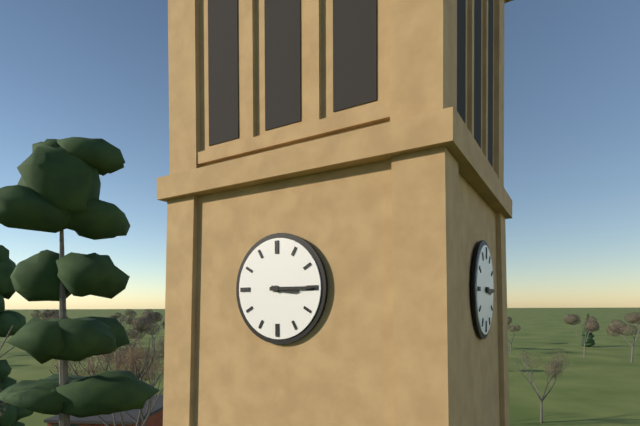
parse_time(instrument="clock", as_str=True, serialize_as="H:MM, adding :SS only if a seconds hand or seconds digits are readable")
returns 3:15
